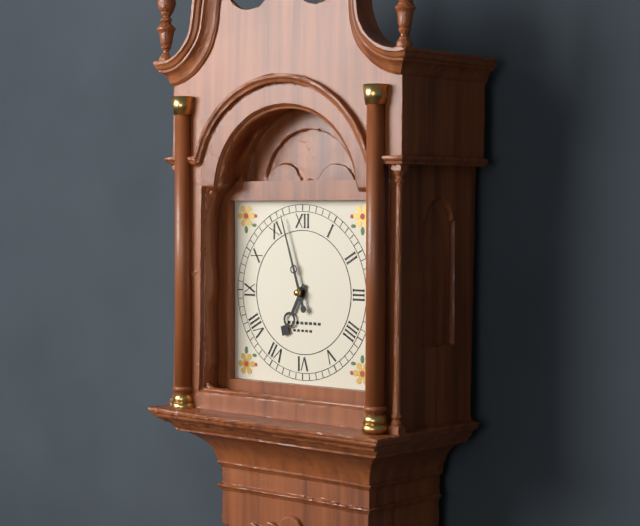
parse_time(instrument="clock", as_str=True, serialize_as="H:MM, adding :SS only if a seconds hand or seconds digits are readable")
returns 6:57
